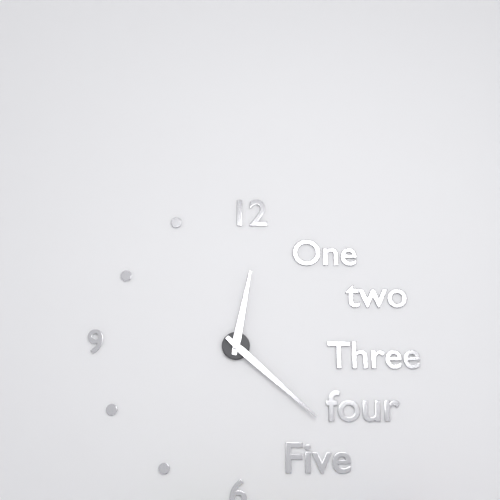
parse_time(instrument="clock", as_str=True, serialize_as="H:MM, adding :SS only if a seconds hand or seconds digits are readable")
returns 12:22
